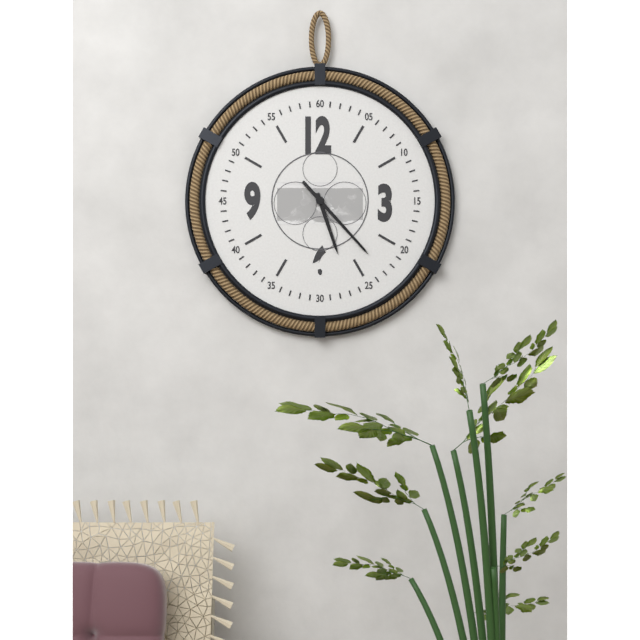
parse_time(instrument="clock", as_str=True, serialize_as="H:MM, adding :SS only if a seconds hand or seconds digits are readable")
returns 5:23
